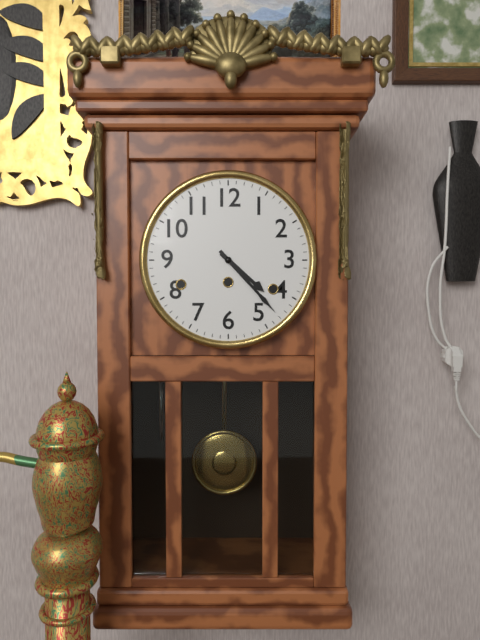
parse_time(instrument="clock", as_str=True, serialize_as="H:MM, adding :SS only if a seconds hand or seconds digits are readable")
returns 4:23
